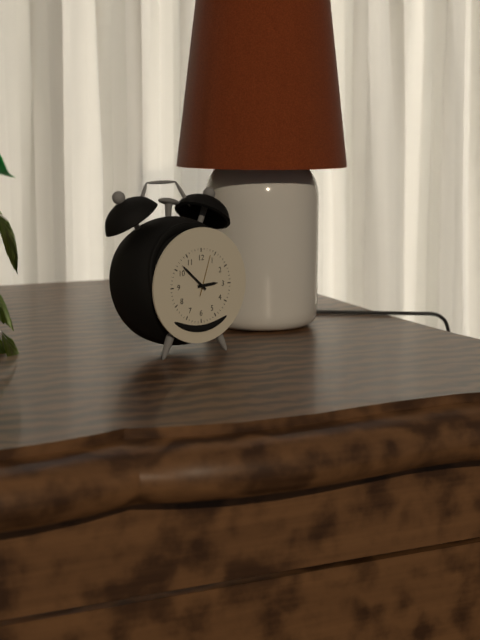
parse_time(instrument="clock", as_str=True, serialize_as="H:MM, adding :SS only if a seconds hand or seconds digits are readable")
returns 2:52
